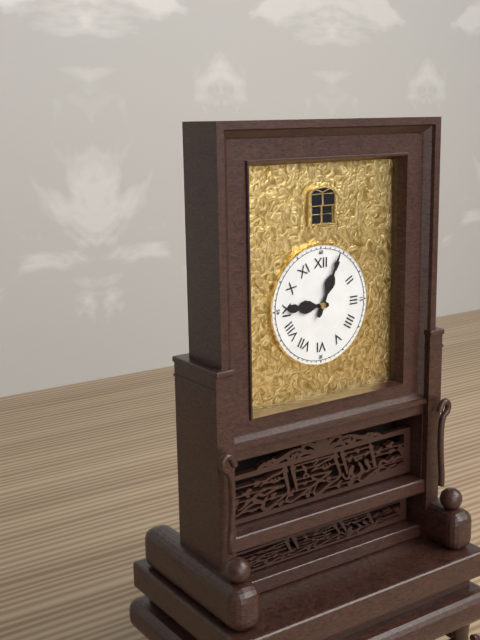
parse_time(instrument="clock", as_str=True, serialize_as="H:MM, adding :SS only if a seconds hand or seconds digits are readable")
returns 9:04
